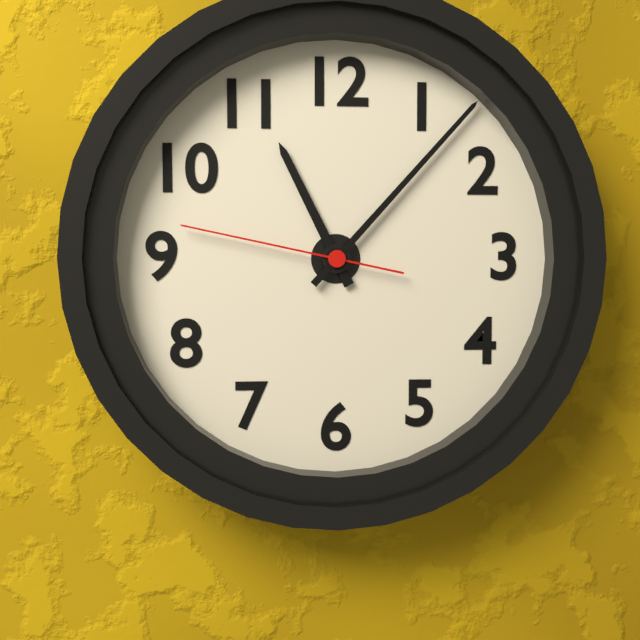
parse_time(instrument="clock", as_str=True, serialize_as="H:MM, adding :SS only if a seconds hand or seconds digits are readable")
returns 11:07:47
